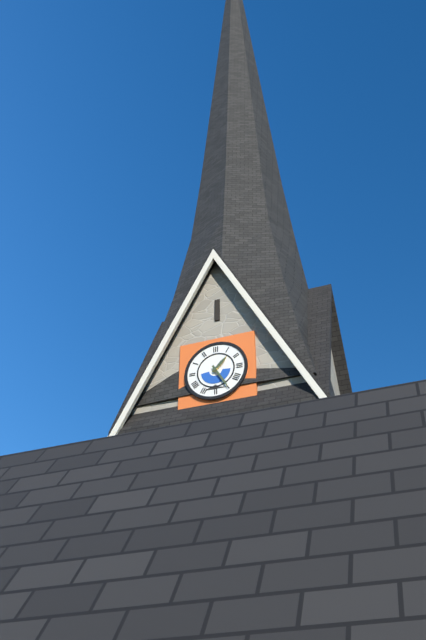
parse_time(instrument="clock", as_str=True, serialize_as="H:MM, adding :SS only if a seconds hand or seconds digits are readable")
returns 1:25
